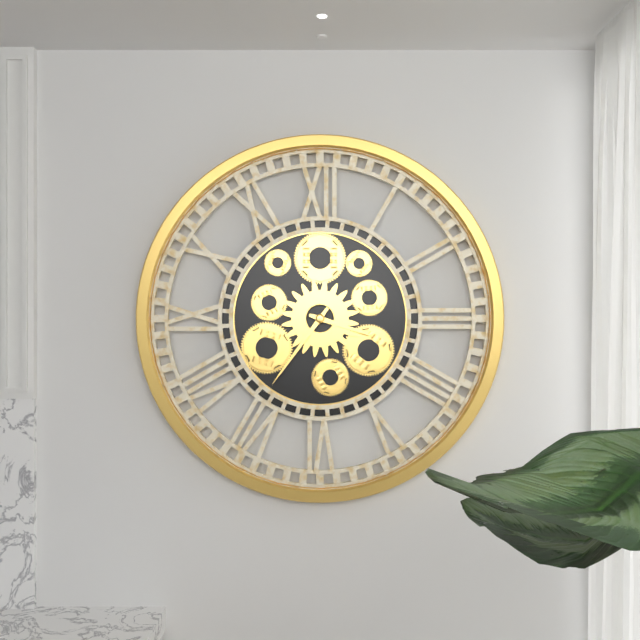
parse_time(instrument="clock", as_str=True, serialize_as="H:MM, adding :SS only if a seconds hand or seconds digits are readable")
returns 3:36
